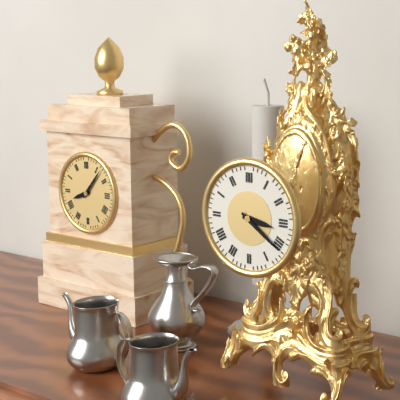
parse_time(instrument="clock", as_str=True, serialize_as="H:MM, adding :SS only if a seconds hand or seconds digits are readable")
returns 3:21
